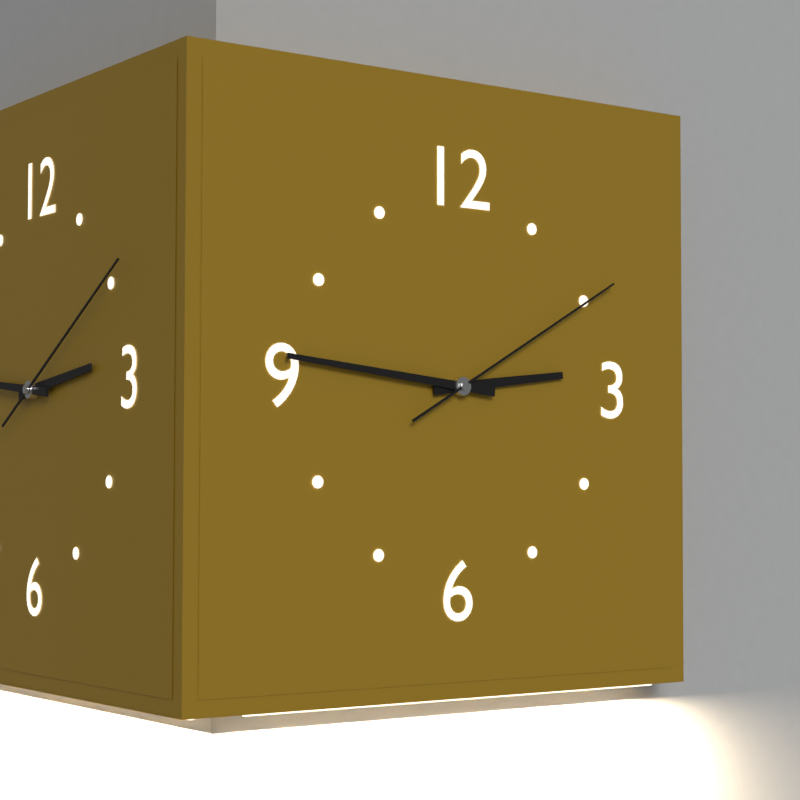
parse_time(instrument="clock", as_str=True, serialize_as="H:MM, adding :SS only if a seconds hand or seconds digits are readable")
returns 2:46:10
